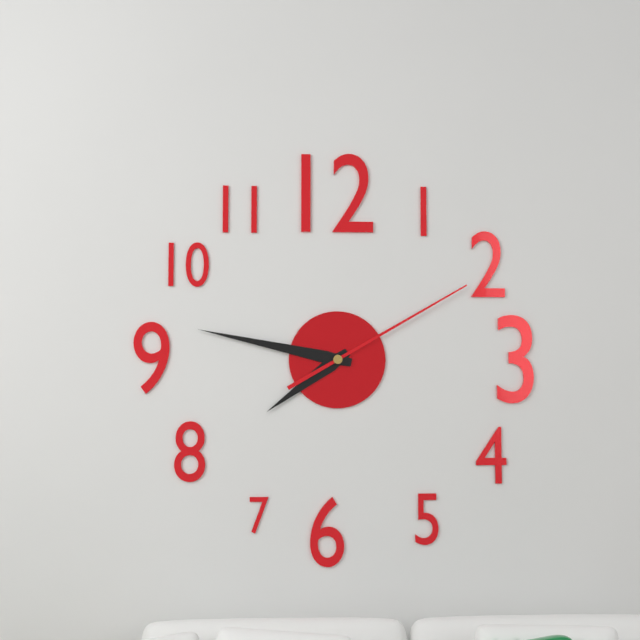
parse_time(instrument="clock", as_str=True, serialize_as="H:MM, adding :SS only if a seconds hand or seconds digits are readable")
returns 7:47:10
